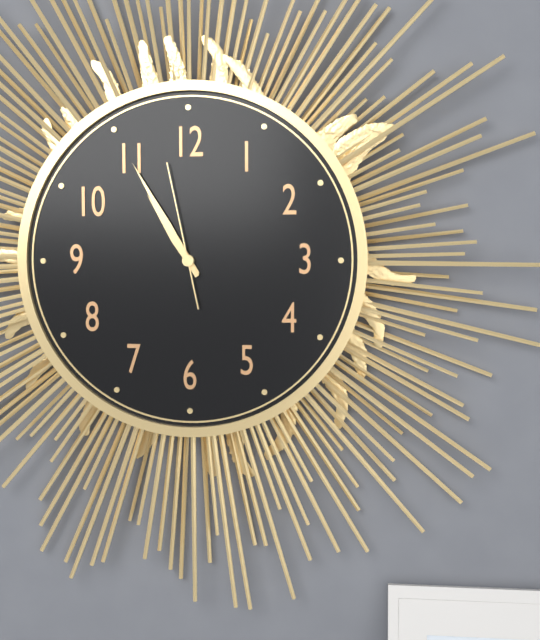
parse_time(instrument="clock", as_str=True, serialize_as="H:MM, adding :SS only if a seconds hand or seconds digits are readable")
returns 10:55:58
